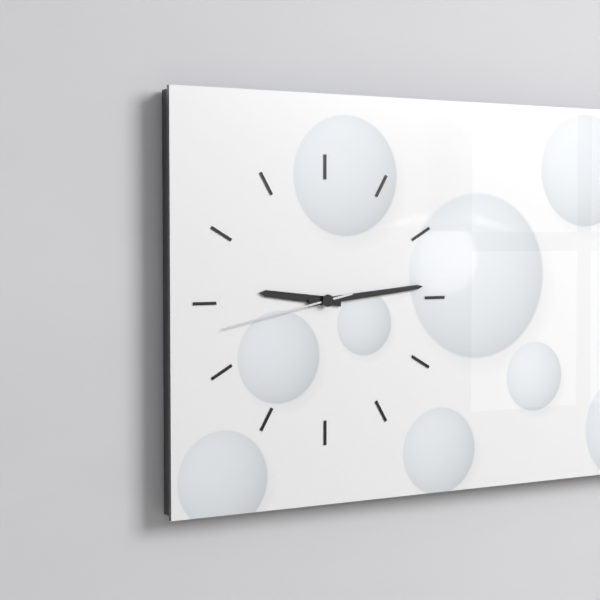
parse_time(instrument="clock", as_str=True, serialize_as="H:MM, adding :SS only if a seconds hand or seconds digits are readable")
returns 9:14:43
